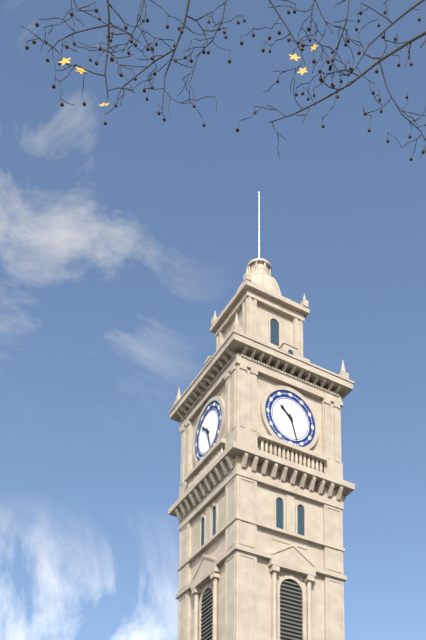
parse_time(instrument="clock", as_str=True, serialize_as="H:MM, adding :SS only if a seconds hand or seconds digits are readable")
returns 10:27
